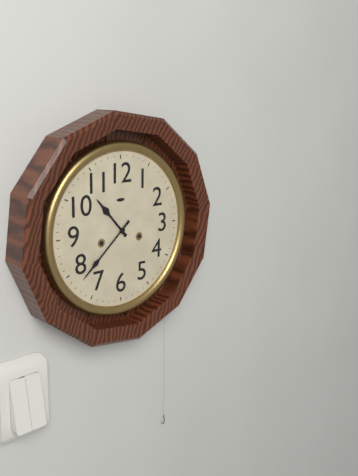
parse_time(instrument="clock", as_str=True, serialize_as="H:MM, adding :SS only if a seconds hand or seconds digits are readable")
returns 10:38
